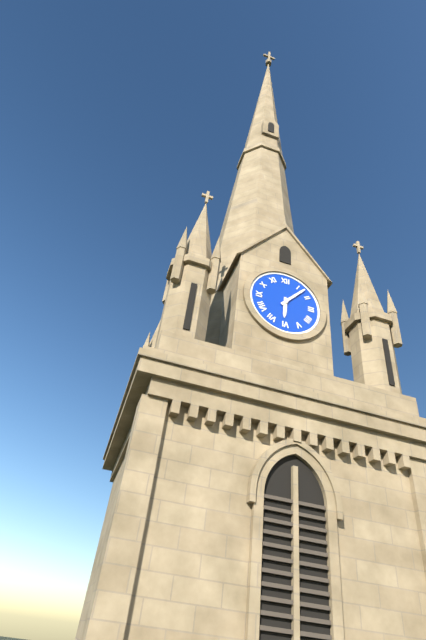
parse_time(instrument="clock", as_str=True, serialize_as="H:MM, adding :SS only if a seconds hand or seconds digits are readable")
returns 6:07
